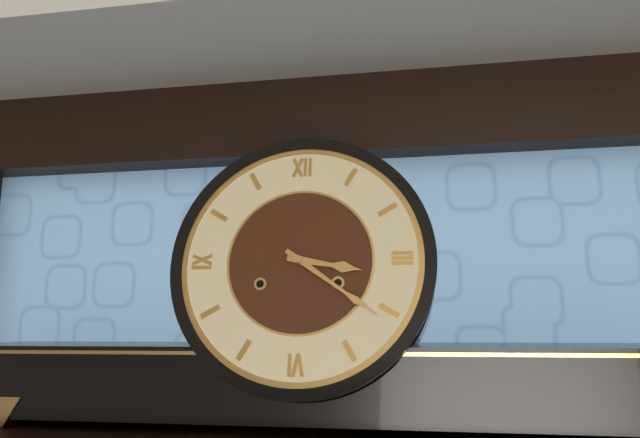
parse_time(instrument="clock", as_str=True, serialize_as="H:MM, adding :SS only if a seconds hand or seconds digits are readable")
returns 3:21
